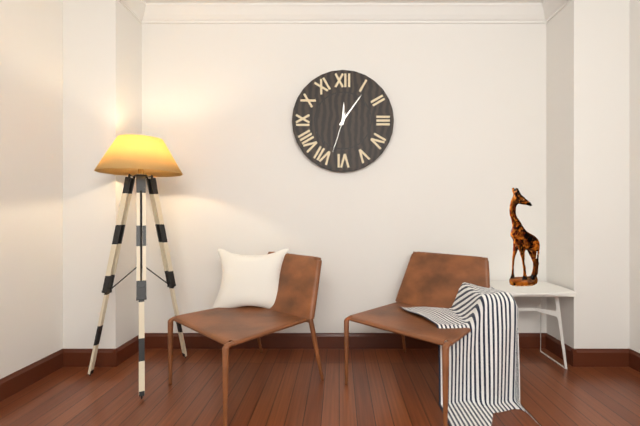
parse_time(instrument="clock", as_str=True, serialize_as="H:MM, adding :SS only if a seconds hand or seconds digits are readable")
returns 12:06
